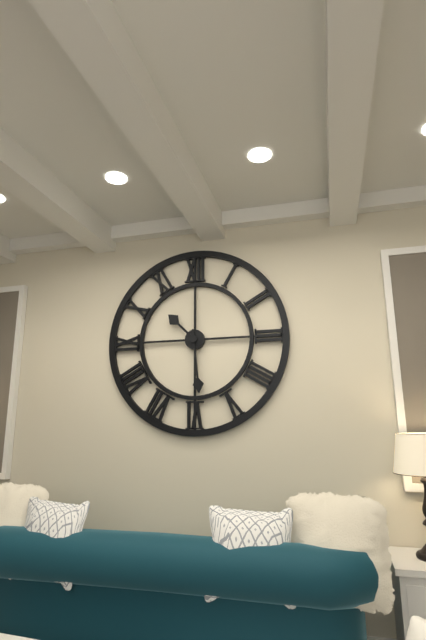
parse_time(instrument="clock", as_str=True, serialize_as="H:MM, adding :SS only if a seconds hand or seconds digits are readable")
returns 10:29
